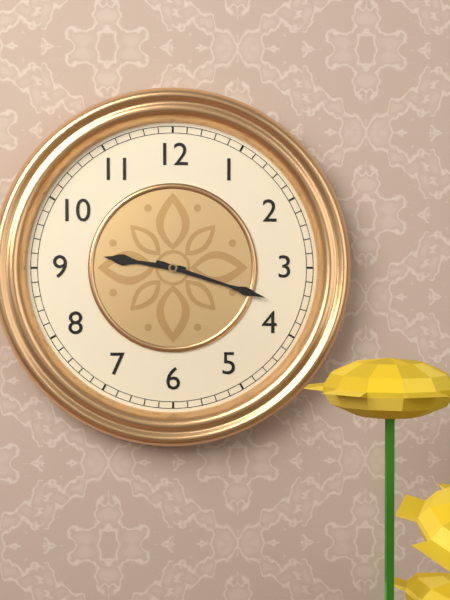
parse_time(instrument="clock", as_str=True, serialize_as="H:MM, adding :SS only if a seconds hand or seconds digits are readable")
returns 9:18
